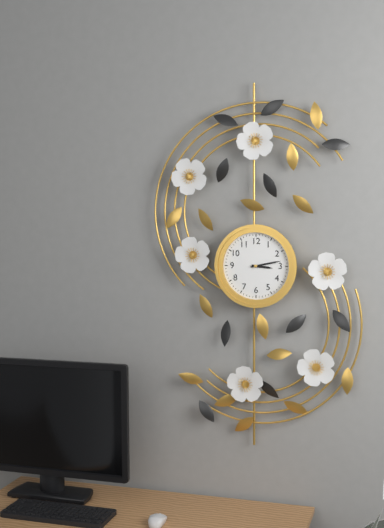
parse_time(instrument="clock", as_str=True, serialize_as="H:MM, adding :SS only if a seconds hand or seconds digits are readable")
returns 3:13
